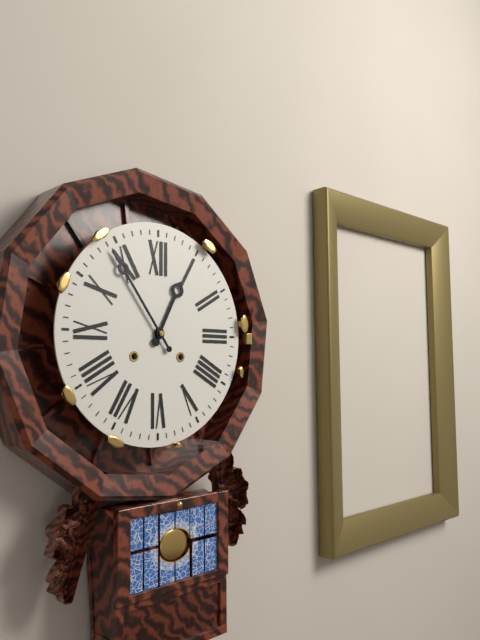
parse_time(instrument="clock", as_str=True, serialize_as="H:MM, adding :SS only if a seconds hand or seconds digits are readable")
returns 12:54
